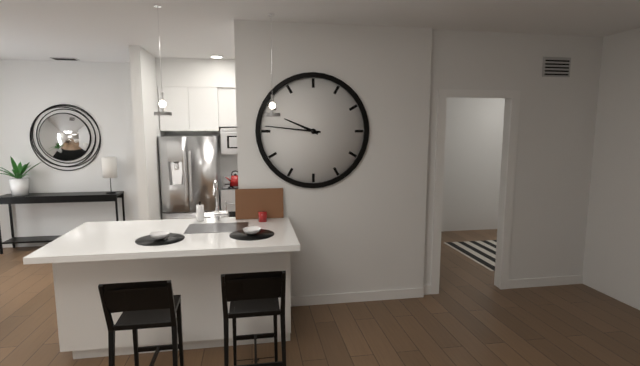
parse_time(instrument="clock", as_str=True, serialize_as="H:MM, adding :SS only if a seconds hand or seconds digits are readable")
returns 9:46
